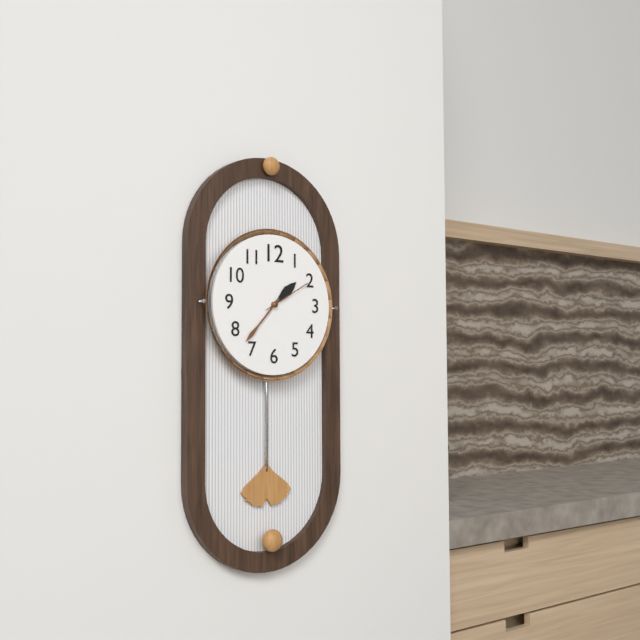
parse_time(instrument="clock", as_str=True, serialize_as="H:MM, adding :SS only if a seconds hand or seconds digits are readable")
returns 1:37:10
